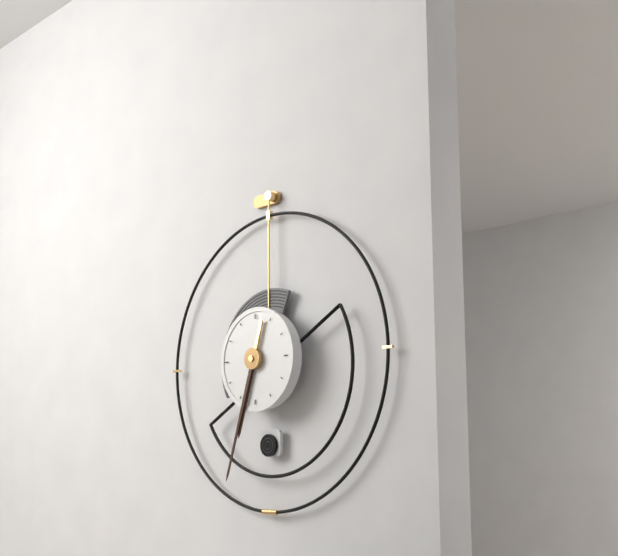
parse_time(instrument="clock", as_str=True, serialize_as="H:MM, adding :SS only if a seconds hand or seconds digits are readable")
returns 6:33
